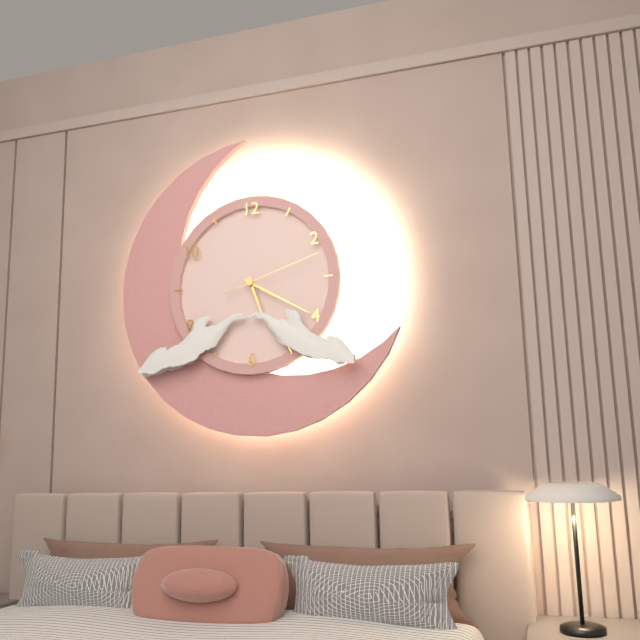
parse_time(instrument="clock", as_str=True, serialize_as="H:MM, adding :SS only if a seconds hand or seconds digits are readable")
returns 5:20:12
